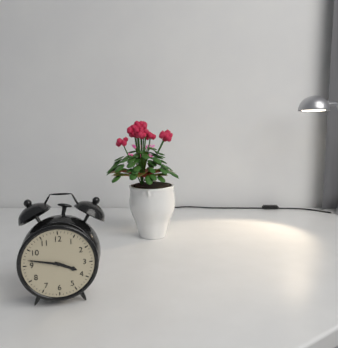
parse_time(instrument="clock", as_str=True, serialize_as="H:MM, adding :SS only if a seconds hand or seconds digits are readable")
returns 3:47
